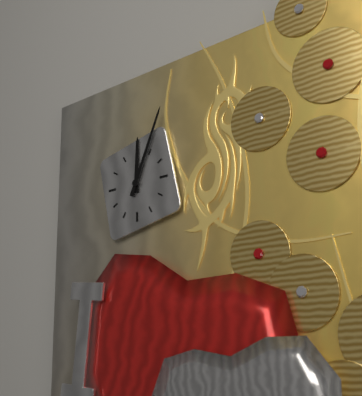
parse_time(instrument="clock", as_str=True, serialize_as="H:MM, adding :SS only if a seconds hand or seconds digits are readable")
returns 12:04
